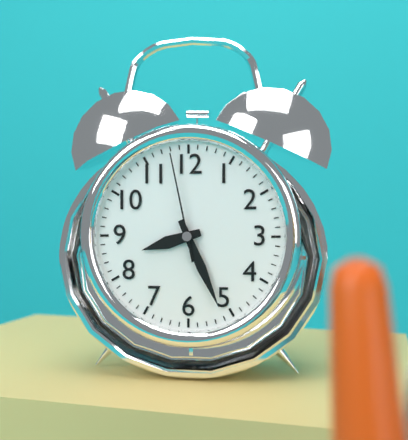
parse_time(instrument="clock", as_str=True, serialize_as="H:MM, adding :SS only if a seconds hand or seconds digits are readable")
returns 8:26:58
